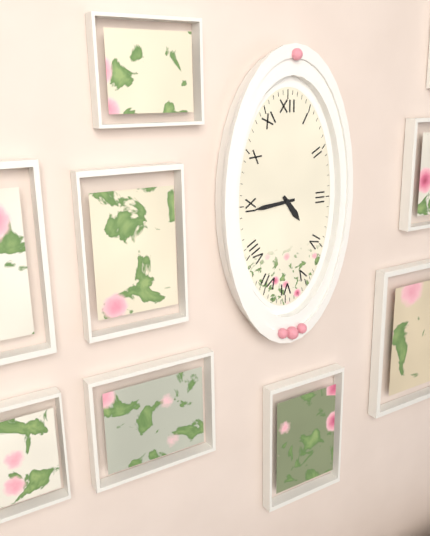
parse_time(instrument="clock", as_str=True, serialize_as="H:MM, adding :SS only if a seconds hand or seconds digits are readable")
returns 4:44
